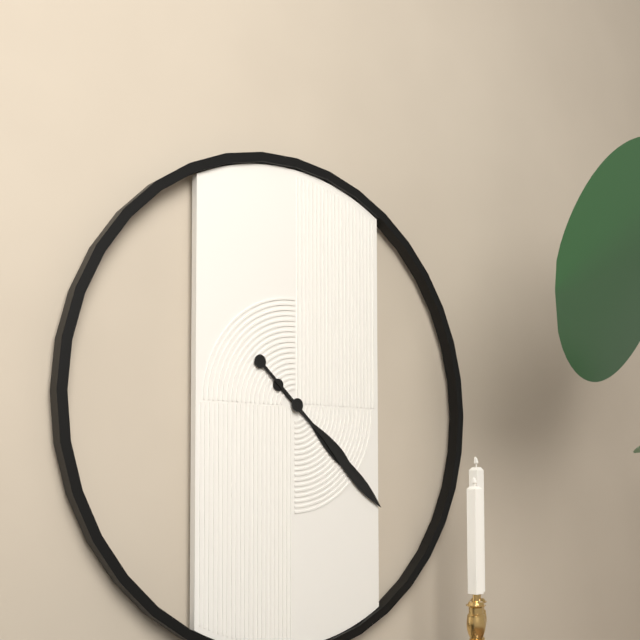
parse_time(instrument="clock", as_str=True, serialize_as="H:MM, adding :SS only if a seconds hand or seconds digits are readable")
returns 4:22
